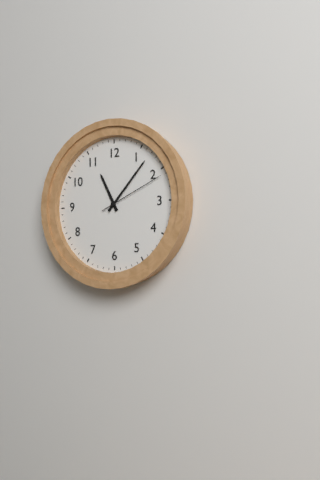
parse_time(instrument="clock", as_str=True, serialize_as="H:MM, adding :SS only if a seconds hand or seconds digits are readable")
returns 11:07:11
